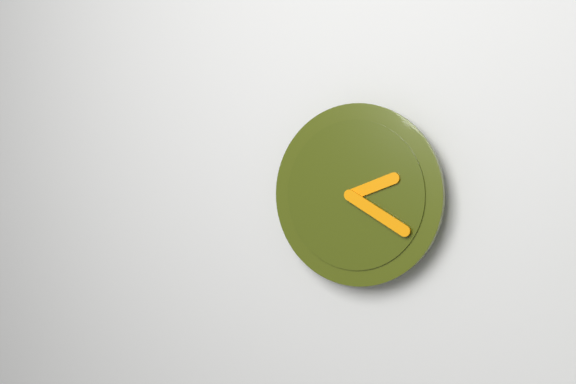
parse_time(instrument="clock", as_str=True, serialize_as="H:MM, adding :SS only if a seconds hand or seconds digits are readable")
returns 2:20
